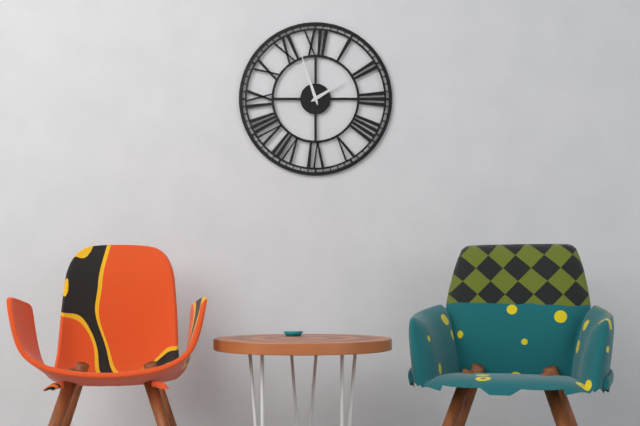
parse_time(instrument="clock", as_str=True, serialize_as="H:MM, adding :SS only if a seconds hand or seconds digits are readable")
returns 1:57
